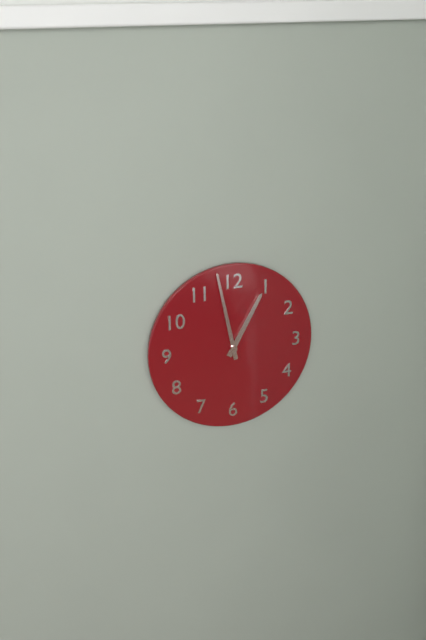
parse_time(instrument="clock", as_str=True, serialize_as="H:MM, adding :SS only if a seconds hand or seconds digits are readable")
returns 12:58
